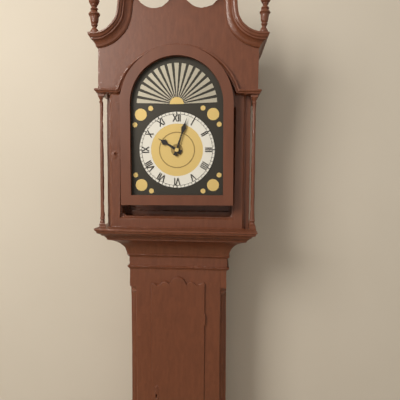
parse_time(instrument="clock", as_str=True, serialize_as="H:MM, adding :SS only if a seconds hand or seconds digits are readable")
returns 10:03
